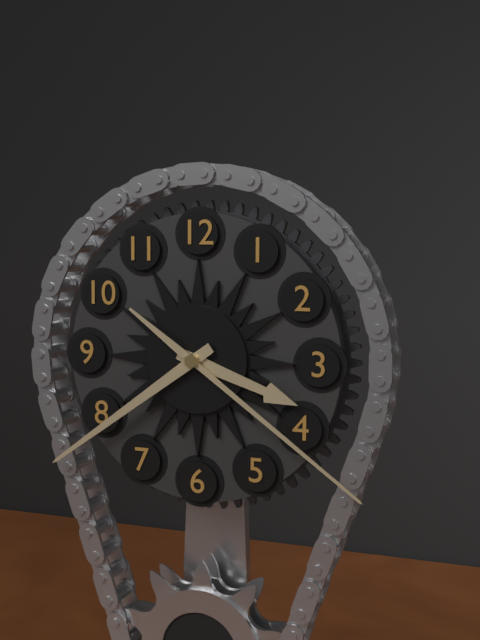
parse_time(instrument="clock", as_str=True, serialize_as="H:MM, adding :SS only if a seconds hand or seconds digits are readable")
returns 3:39:21
